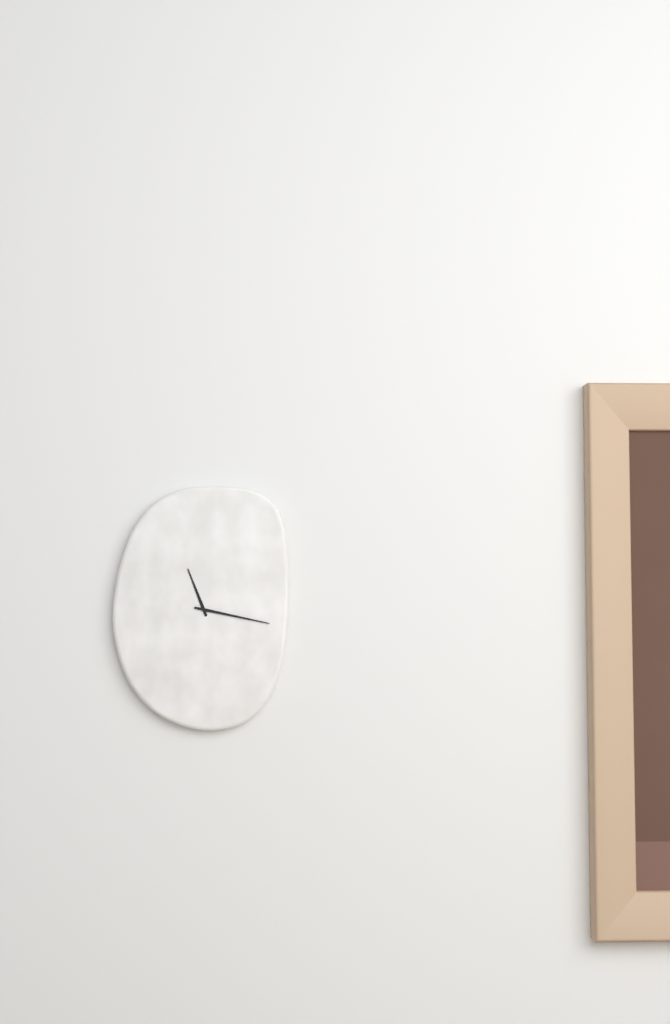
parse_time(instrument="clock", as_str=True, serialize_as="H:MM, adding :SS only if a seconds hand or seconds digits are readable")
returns 11:17
